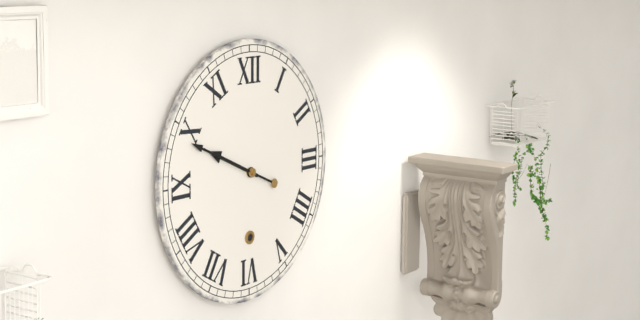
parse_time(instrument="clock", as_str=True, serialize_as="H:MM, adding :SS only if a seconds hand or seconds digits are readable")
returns 9:49
